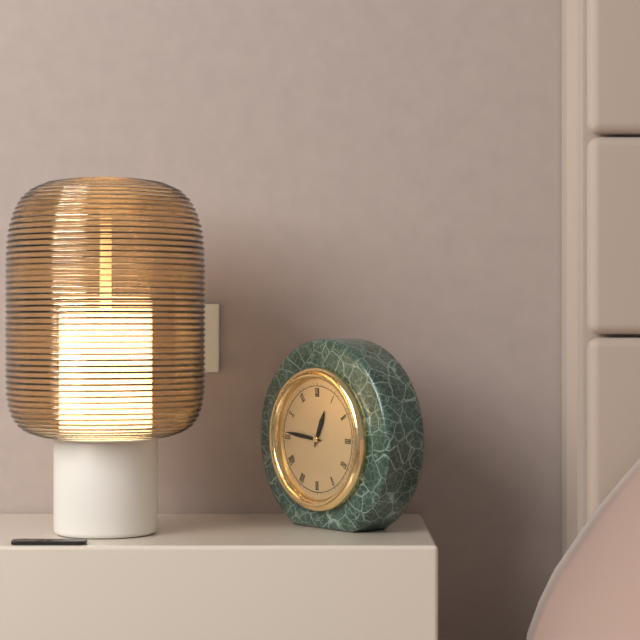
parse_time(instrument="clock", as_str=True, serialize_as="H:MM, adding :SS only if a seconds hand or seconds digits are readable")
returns 12:46
